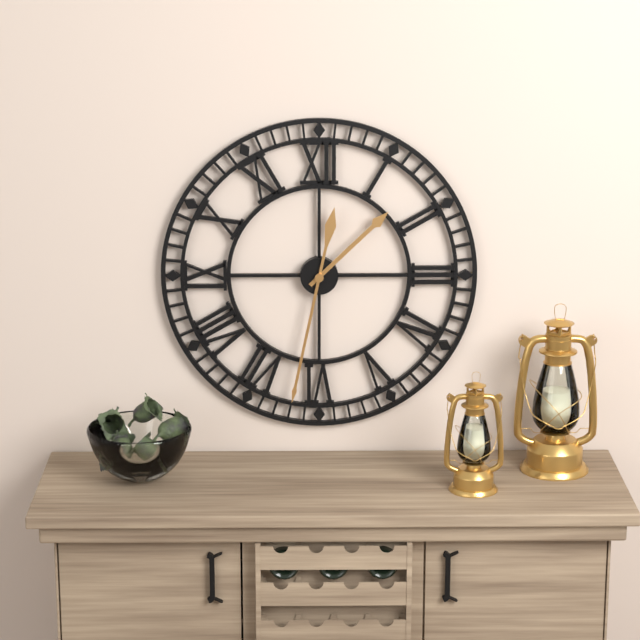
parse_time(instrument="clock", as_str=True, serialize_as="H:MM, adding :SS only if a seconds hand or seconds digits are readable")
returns 1:32
